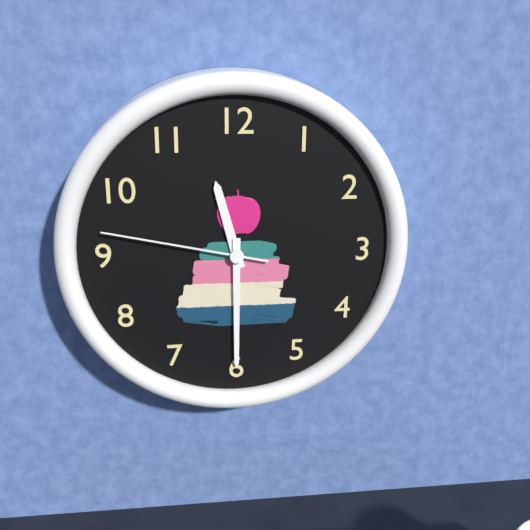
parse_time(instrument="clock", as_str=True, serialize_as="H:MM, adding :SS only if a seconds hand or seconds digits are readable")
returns 11:30:47
